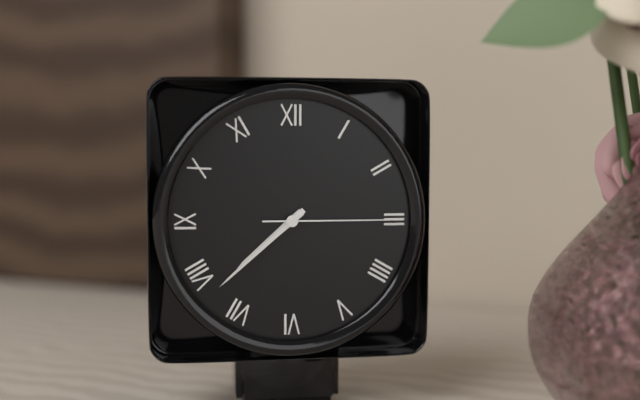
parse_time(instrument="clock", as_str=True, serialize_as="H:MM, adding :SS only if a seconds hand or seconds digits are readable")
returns 7:38:15
